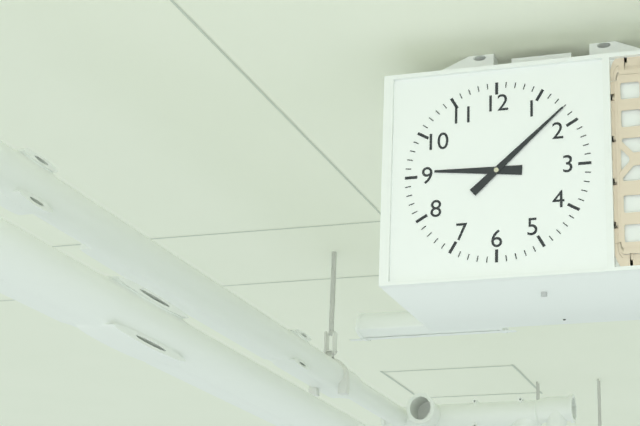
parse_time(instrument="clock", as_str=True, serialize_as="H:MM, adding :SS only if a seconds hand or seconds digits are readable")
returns 9:08
